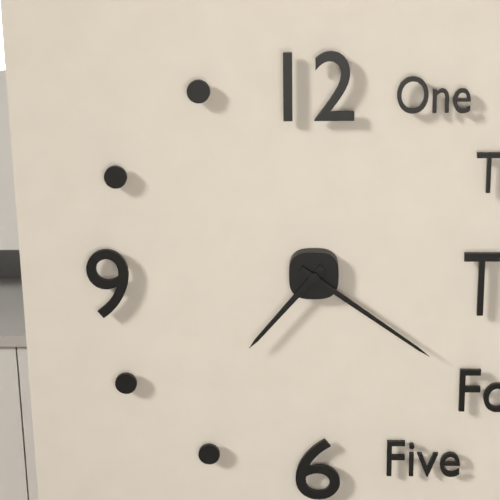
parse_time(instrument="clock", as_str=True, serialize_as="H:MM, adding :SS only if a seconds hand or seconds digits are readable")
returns 7:21
